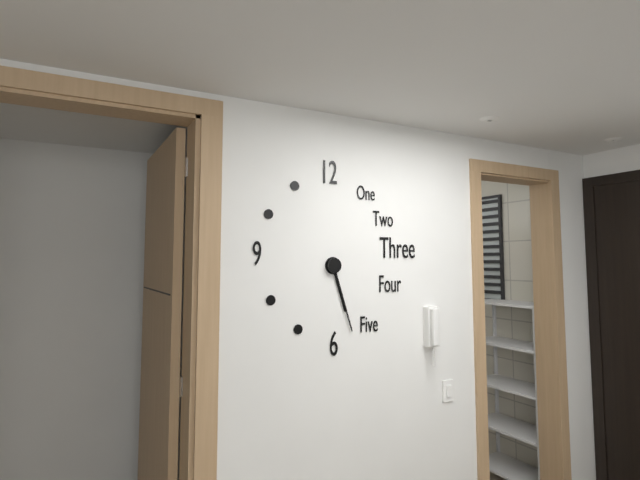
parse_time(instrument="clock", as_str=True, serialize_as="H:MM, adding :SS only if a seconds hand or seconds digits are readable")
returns 5:27
